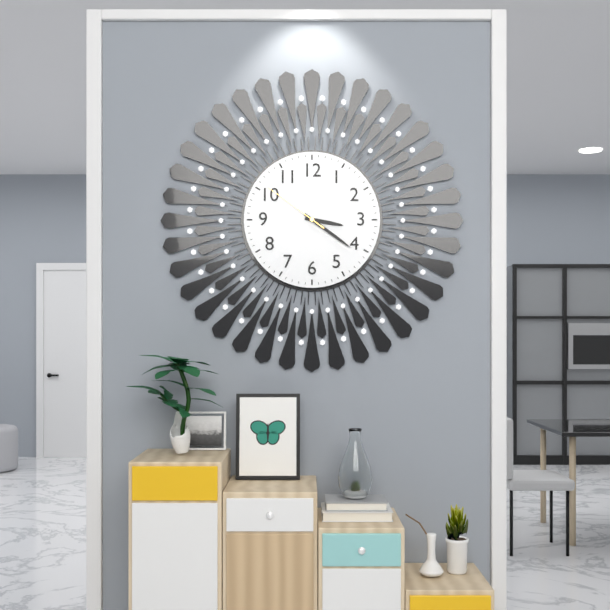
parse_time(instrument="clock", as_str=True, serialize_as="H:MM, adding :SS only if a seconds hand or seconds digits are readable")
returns 3:21:51
